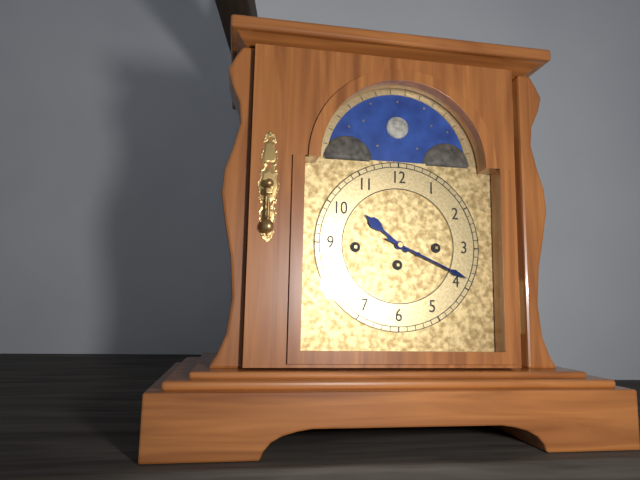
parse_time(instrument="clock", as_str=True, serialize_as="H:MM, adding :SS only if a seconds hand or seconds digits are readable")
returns 10:19
